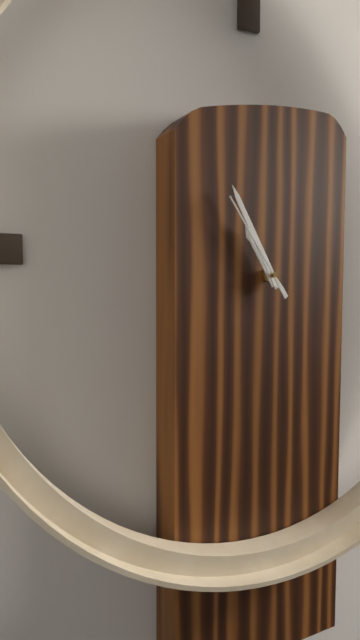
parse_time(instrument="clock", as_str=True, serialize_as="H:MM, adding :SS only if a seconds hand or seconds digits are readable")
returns 10:55:54
